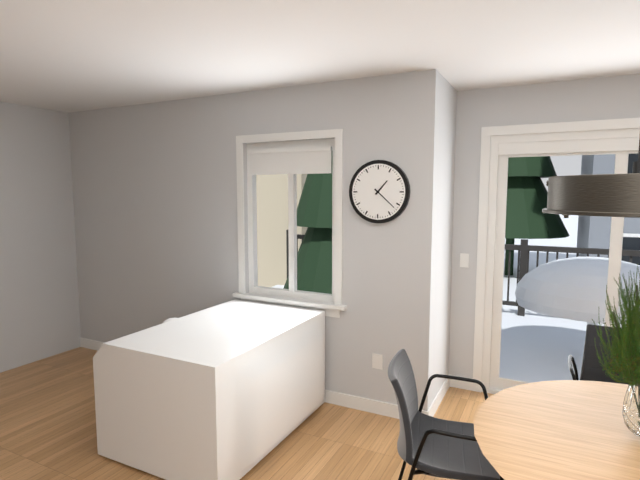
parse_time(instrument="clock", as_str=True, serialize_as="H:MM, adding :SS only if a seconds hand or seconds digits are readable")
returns 1:22
